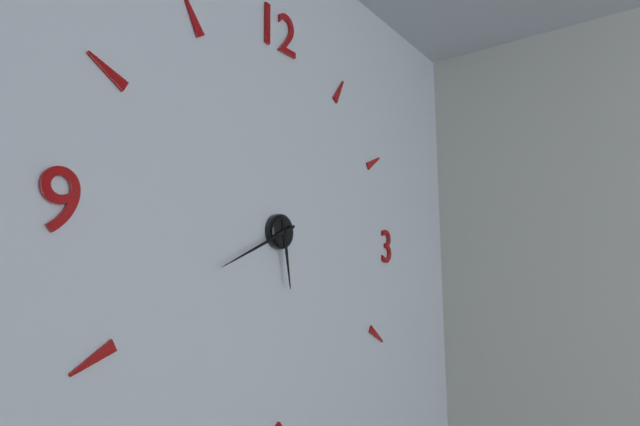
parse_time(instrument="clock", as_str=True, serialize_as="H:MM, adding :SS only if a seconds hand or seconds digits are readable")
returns 5:41
